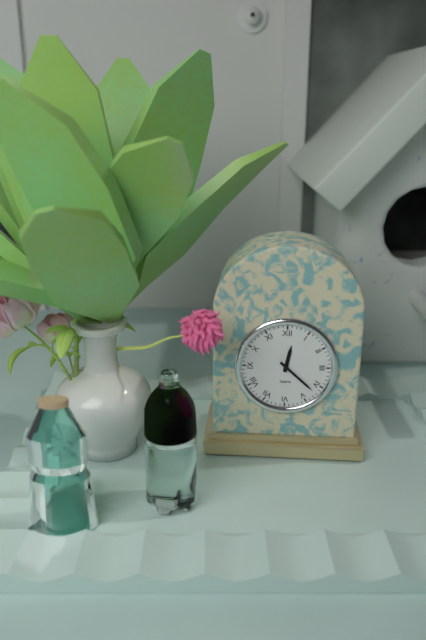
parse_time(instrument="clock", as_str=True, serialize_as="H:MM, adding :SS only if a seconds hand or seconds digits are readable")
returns 12:22
